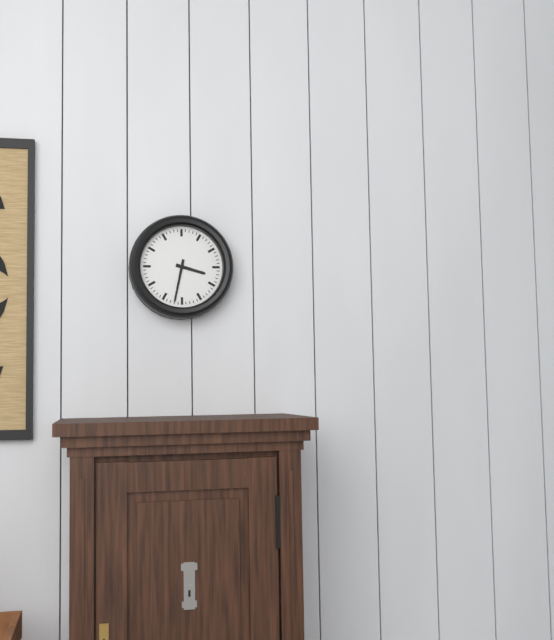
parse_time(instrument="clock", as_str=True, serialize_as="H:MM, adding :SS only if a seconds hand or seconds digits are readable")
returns 3:32
